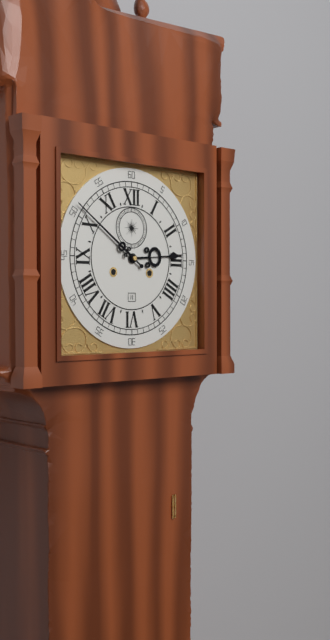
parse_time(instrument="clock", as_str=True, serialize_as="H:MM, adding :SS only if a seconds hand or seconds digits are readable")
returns 2:51
